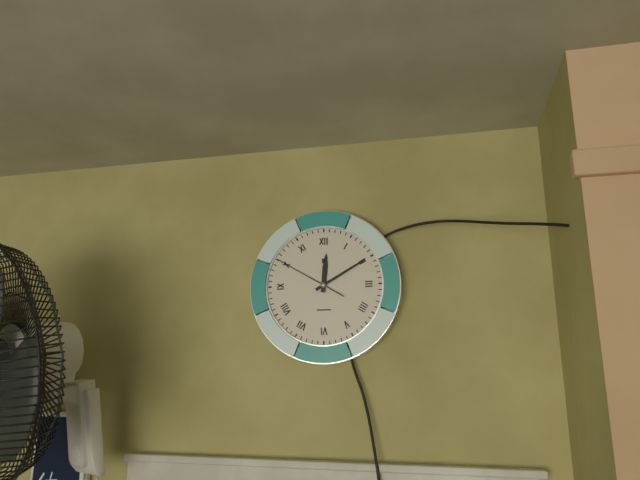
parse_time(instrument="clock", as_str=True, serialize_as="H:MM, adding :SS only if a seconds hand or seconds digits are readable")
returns 12:10:50
